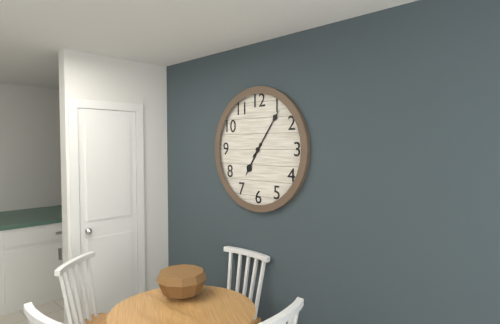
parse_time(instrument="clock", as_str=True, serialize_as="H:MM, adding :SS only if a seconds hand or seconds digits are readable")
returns 7:06
